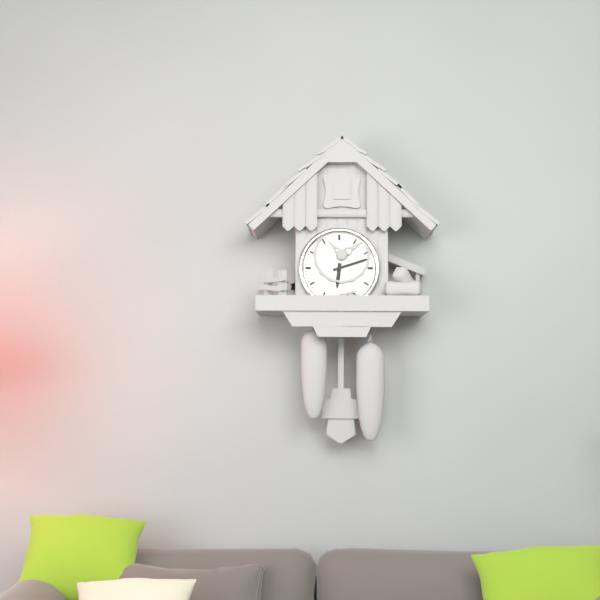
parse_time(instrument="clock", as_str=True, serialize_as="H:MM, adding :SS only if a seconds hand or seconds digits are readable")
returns 6:12
